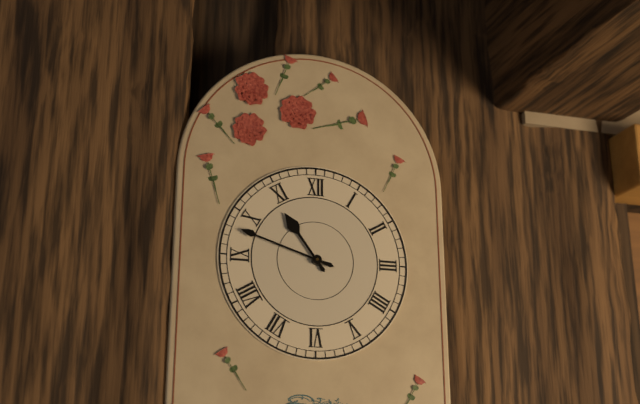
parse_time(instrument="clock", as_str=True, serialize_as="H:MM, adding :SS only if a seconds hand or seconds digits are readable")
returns 10:48
